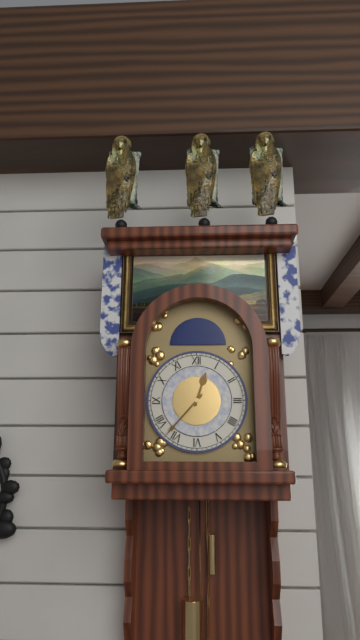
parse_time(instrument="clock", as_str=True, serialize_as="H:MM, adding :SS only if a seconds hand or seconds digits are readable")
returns 12:37
